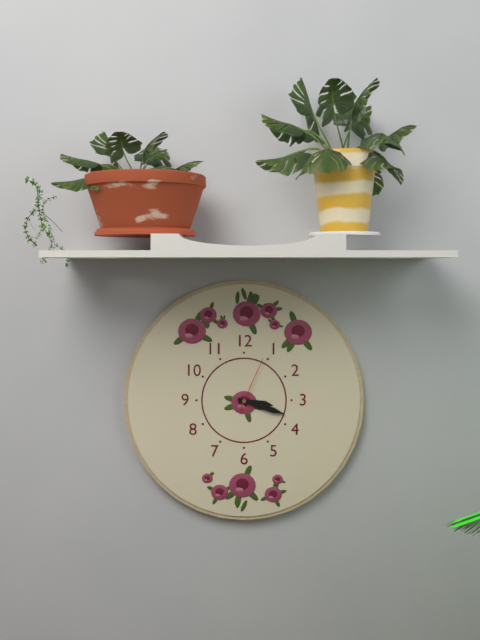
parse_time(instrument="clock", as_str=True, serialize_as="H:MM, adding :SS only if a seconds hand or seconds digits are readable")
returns 3:18:04
